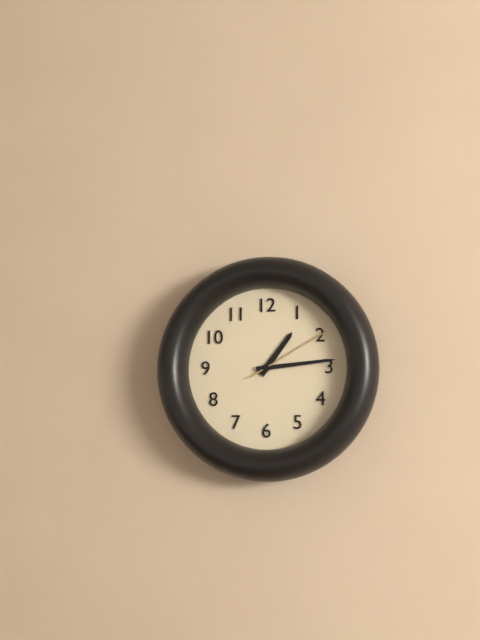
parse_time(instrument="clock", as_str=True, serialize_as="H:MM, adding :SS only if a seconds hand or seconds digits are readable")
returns 1:14:10
